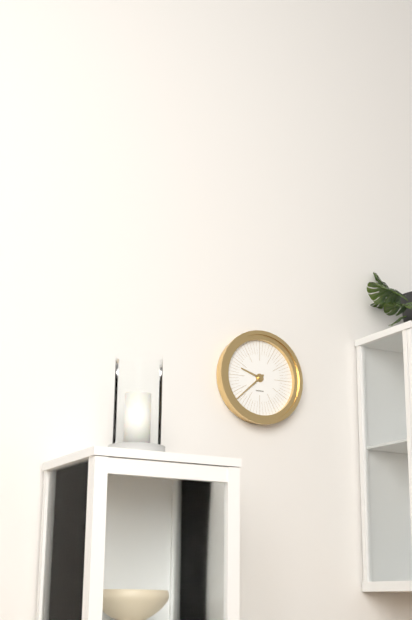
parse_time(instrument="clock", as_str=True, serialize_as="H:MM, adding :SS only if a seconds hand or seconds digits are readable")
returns 9:38
